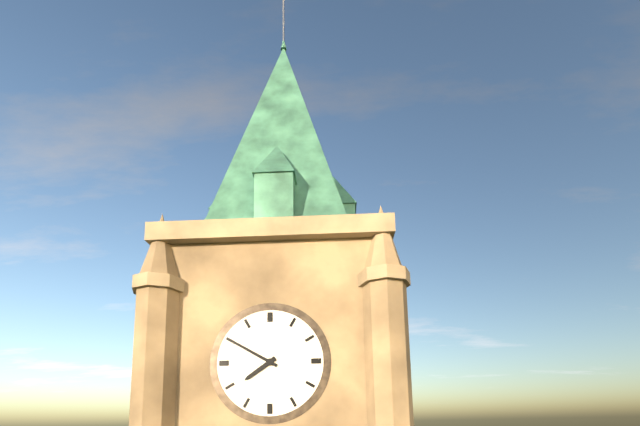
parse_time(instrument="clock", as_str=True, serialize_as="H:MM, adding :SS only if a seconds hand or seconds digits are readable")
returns 7:50
